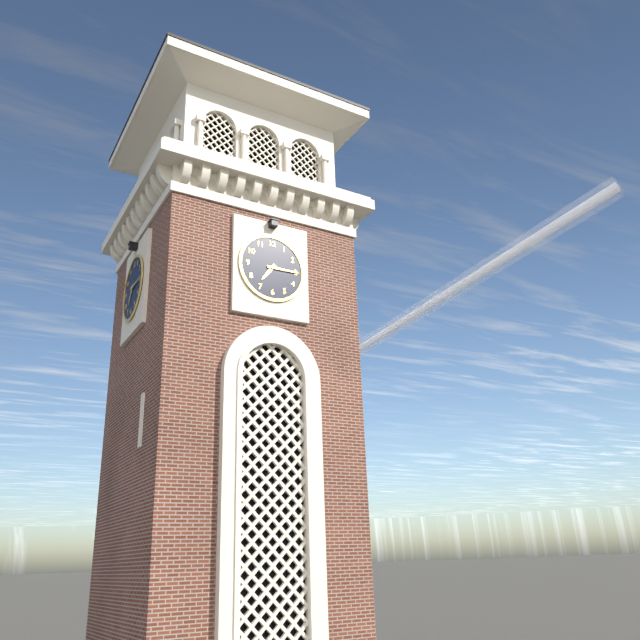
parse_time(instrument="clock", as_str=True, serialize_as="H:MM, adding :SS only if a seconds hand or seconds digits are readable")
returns 7:15
